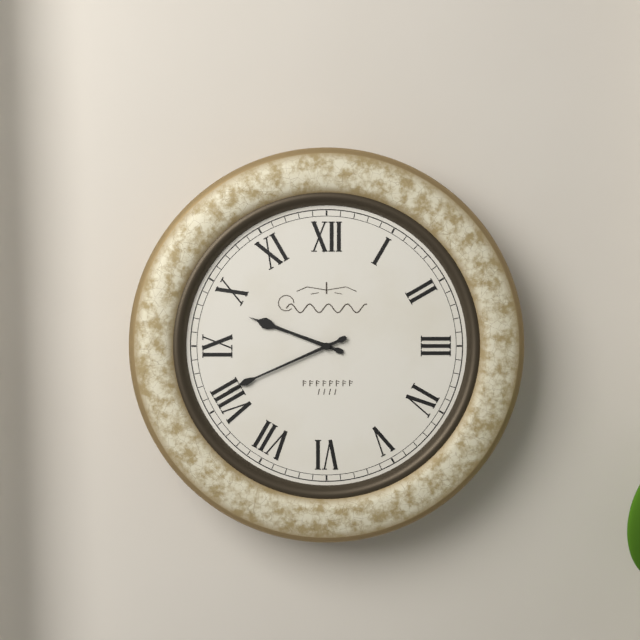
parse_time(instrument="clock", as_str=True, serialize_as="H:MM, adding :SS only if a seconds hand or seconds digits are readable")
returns 9:41
